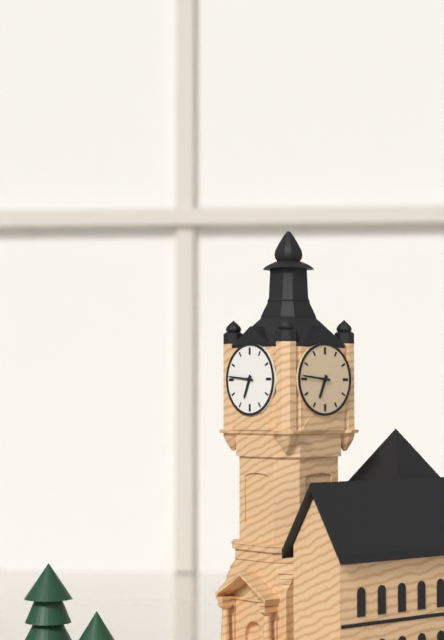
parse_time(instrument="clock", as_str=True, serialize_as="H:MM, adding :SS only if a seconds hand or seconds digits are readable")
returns 6:46
